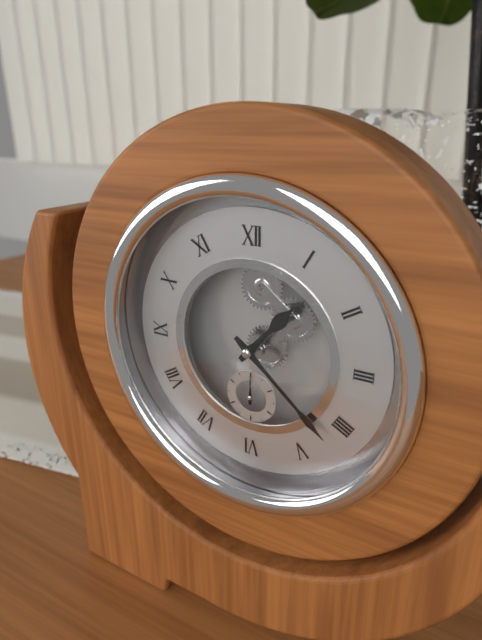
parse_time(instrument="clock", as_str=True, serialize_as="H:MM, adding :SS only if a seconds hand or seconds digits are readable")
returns 1:22
